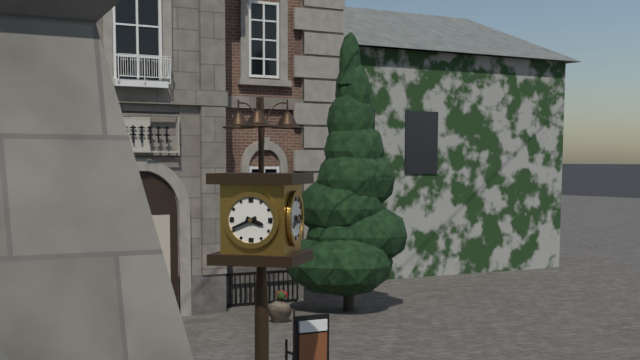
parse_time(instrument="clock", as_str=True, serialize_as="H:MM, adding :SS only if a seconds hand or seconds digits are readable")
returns 3:41
